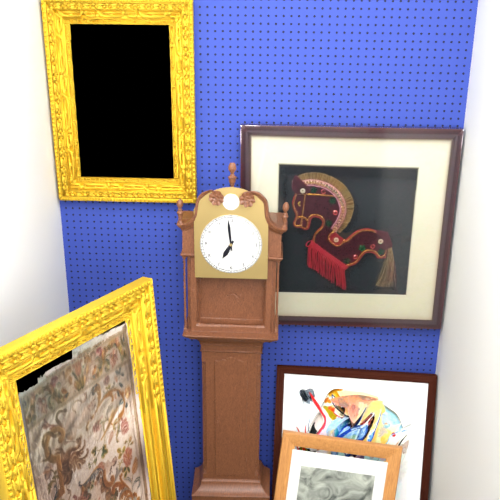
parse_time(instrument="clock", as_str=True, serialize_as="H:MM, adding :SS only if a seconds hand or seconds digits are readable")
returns 6:59
